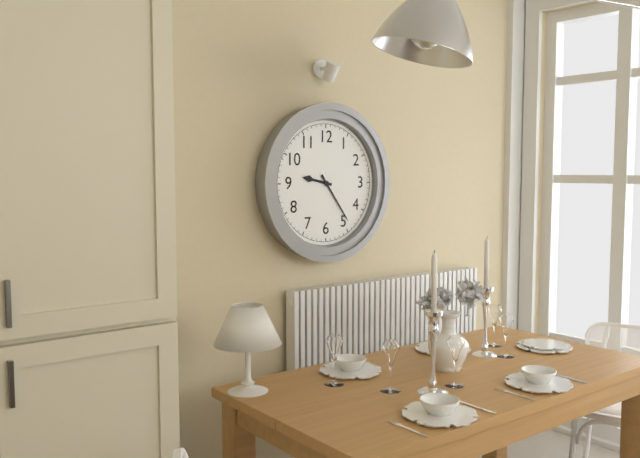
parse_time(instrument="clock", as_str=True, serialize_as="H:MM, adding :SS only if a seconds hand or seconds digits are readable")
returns 9:24
